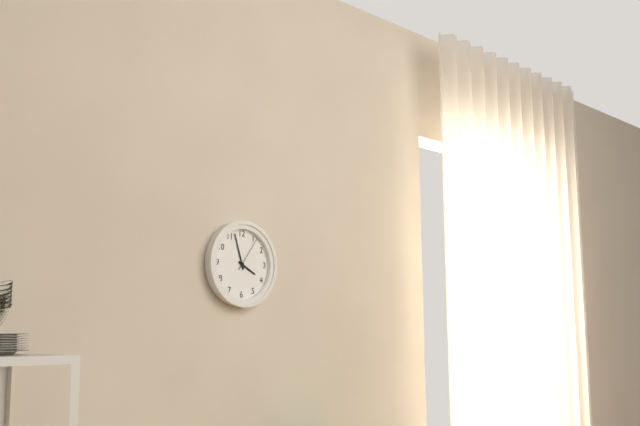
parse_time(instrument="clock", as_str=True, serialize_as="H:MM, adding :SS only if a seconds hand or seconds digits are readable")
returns 3:57
